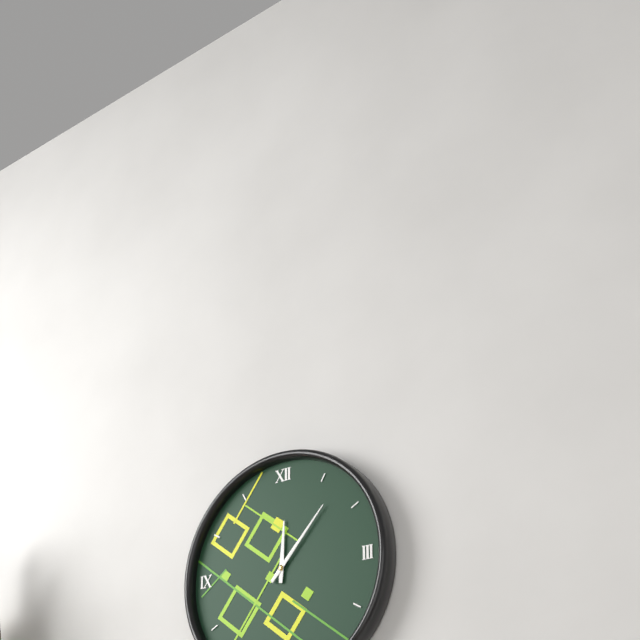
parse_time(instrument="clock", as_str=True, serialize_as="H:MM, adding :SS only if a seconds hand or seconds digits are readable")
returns 12:07
